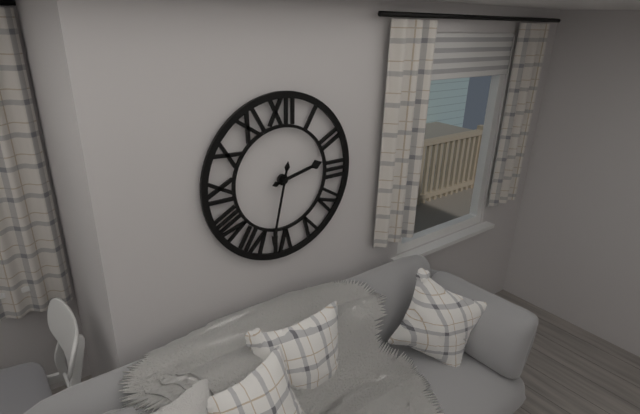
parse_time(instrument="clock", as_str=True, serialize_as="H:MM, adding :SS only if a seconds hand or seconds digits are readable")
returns 2:32
